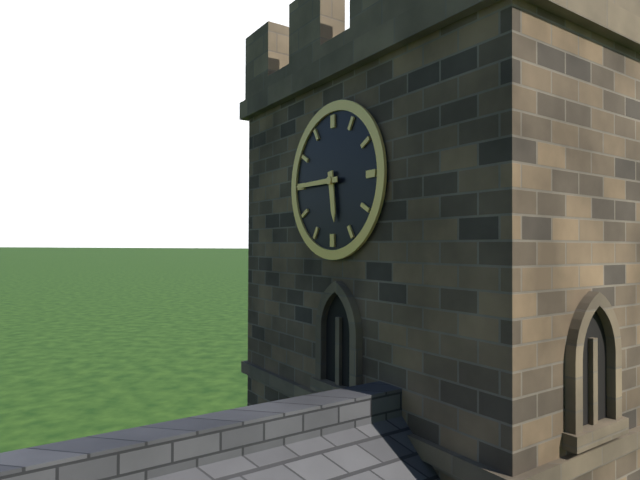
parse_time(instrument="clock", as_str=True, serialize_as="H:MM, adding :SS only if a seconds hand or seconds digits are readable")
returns 5:45
